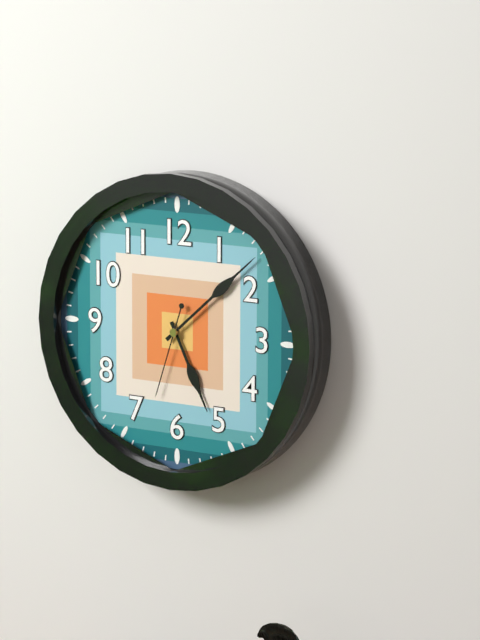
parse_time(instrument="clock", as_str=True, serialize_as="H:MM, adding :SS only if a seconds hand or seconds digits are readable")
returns 5:08:33
